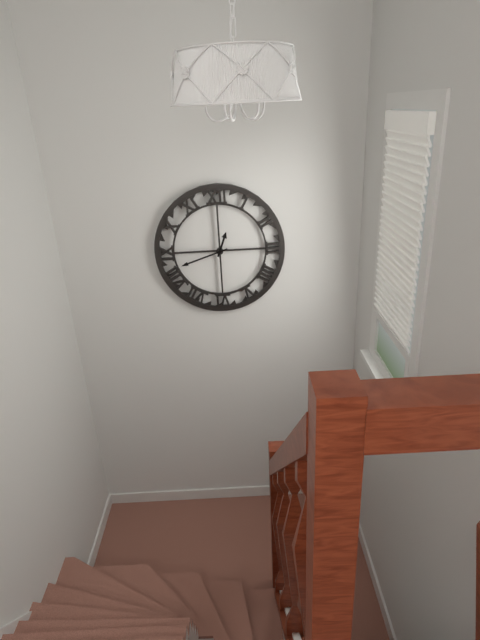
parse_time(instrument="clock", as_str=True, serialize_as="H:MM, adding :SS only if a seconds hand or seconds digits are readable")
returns 12:42
